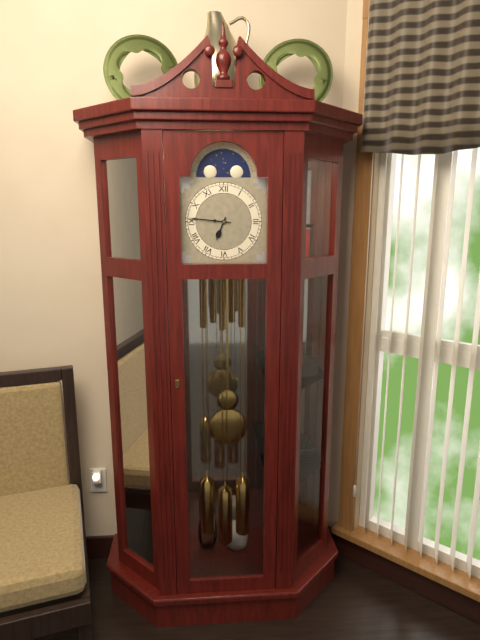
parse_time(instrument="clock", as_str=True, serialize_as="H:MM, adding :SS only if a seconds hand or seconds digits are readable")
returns 6:46
